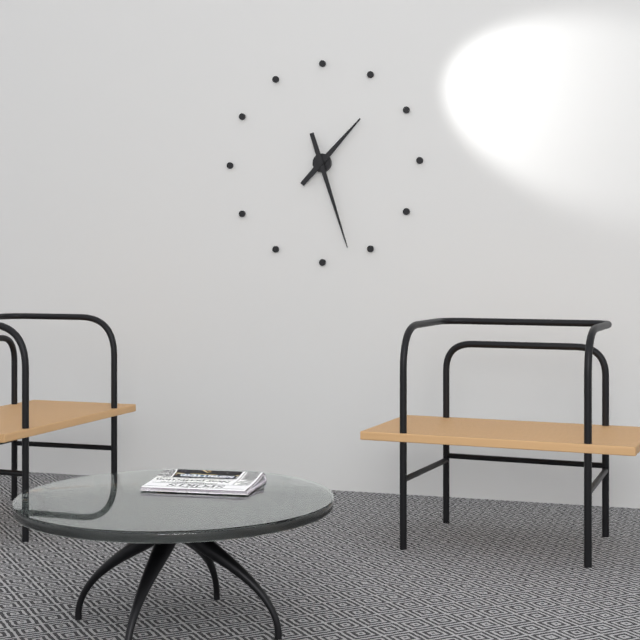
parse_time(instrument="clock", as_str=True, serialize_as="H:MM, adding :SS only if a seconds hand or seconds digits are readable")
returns 1:27
